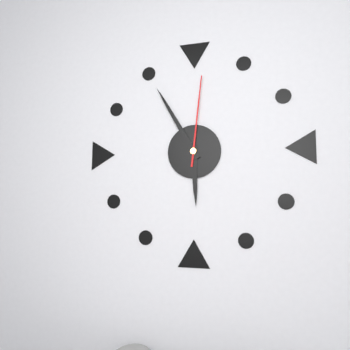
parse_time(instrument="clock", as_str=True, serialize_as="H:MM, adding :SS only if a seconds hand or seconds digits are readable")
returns 5:55:01
